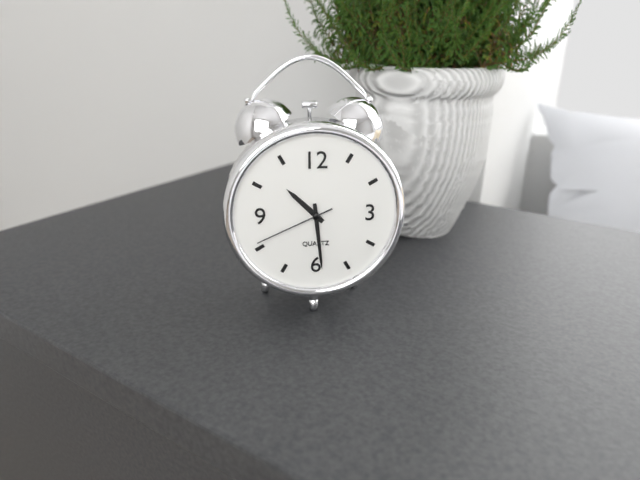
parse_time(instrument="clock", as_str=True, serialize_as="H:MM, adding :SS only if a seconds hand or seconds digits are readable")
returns 10:29:41
